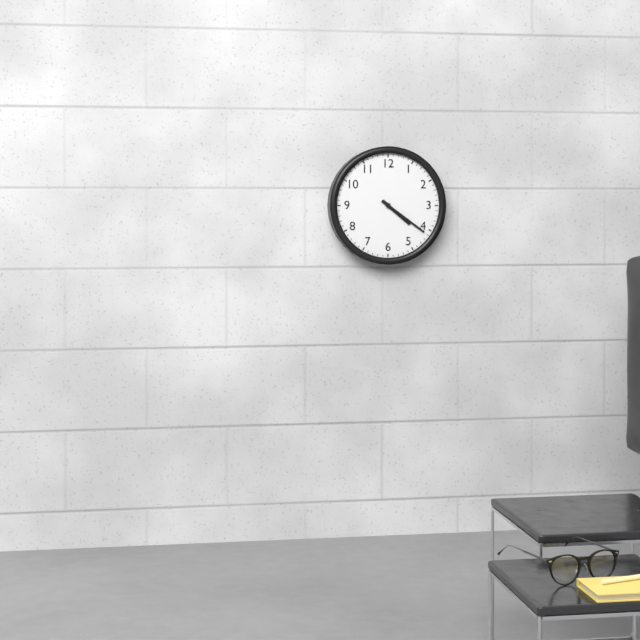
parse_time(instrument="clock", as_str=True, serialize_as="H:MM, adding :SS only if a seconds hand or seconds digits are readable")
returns 4:21
